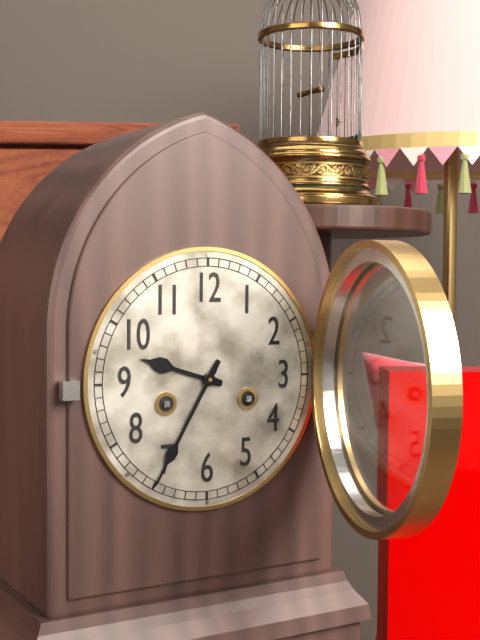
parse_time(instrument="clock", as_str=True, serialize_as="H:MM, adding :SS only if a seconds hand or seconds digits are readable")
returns 9:35
